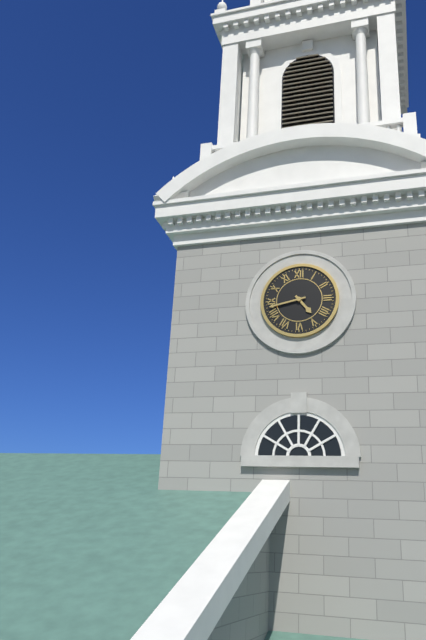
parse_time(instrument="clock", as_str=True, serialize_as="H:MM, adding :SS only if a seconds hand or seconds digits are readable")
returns 4:43
